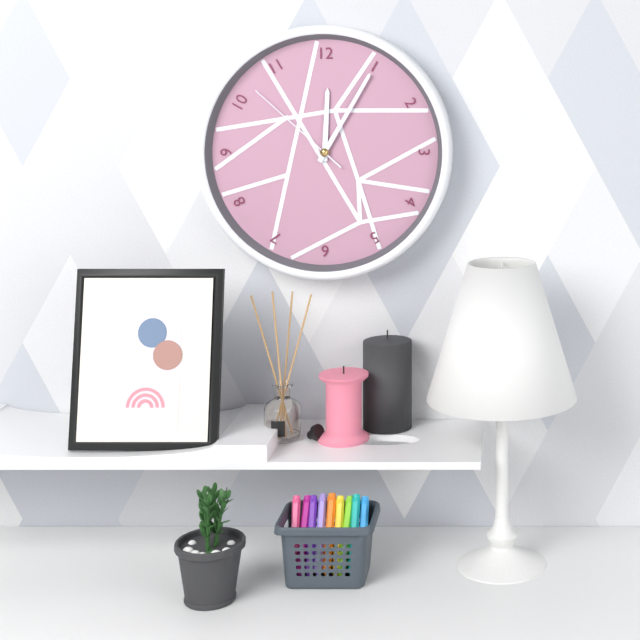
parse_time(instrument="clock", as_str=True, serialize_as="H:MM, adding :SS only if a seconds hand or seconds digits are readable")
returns 12:05:52
